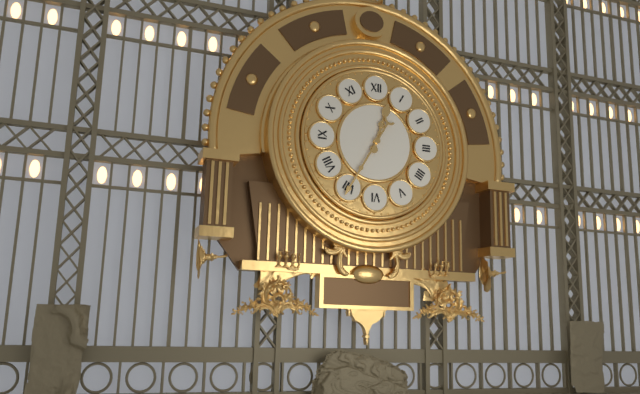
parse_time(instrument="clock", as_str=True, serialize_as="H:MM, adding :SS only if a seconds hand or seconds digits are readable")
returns 12:35
